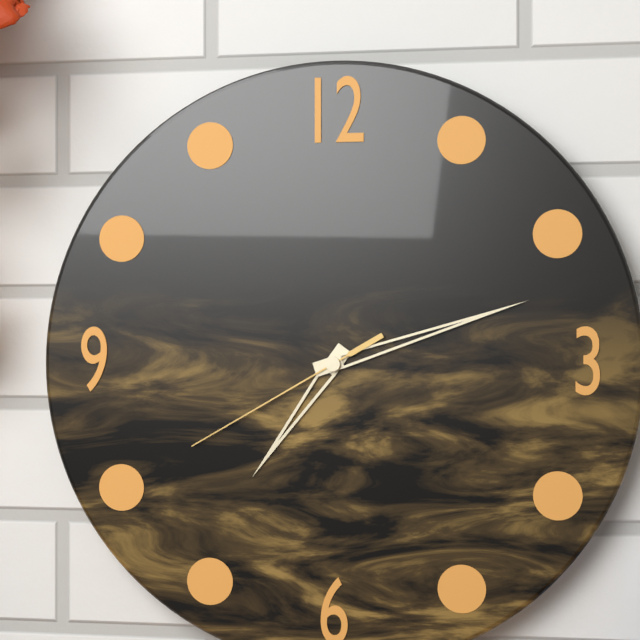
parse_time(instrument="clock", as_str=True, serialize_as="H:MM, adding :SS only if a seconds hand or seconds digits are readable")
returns 7:12:40
